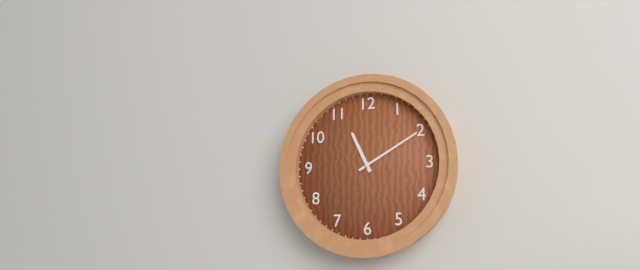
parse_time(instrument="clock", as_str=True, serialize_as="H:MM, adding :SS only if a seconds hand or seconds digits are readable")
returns 11:10
